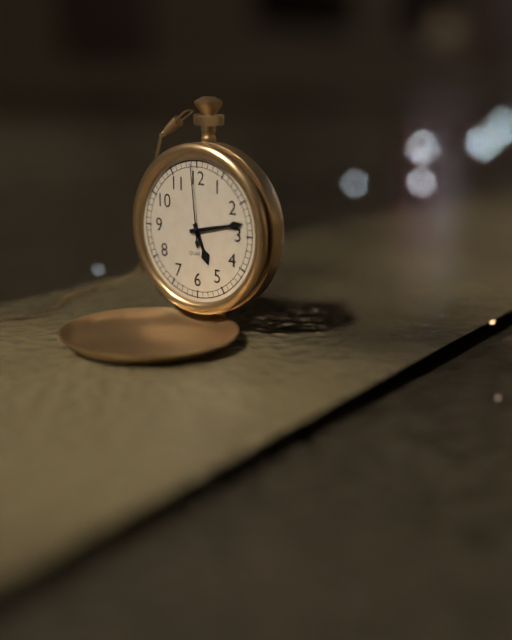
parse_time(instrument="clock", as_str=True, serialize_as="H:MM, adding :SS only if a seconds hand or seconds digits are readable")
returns 5:13:59
